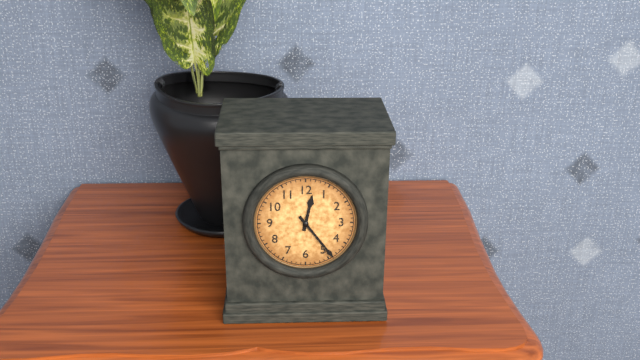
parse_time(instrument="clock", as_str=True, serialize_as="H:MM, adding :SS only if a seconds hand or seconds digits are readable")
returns 12:24
